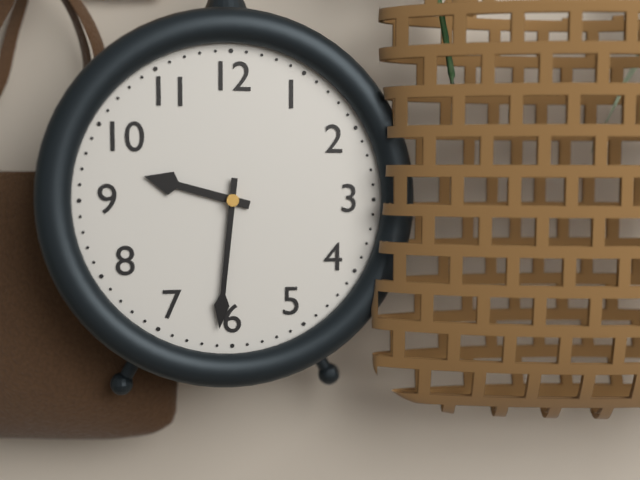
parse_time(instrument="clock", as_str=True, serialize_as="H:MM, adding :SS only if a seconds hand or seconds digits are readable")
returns 9:31
